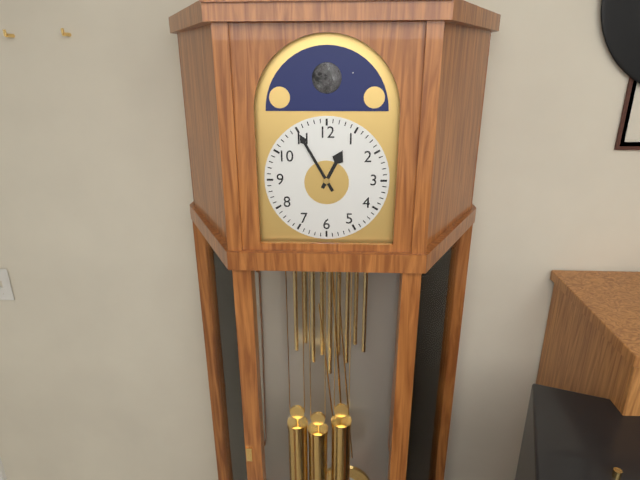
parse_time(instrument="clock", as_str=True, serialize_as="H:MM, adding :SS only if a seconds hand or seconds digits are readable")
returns 12:55
